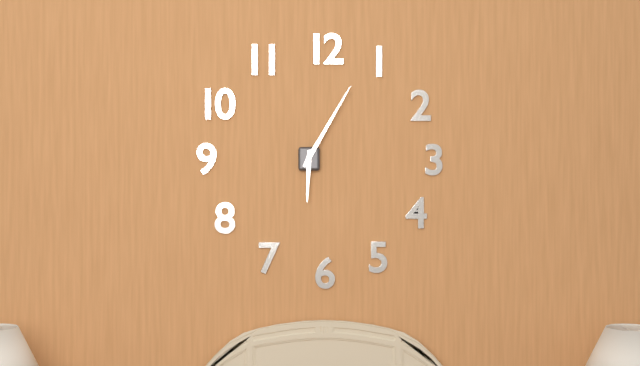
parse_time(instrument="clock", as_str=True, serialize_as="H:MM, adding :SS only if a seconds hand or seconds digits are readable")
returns 6:05
